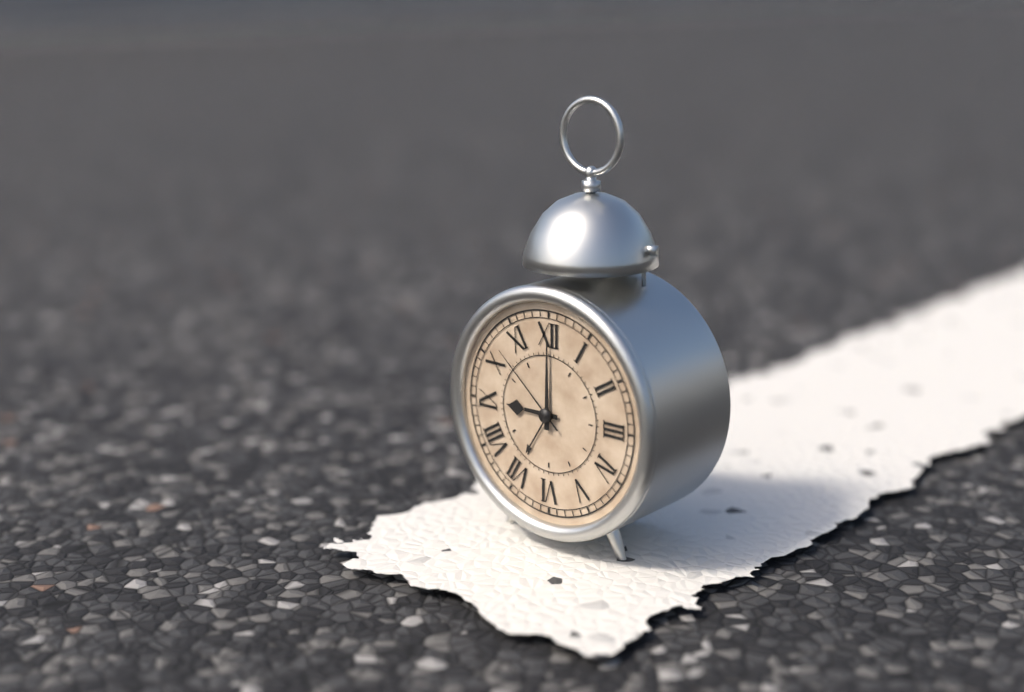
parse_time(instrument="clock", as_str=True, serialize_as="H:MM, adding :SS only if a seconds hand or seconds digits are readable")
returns 9:00:52
